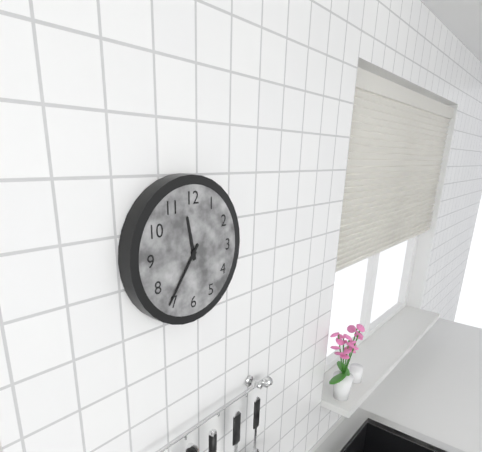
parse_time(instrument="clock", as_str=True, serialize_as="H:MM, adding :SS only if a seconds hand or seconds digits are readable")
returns 11:36
